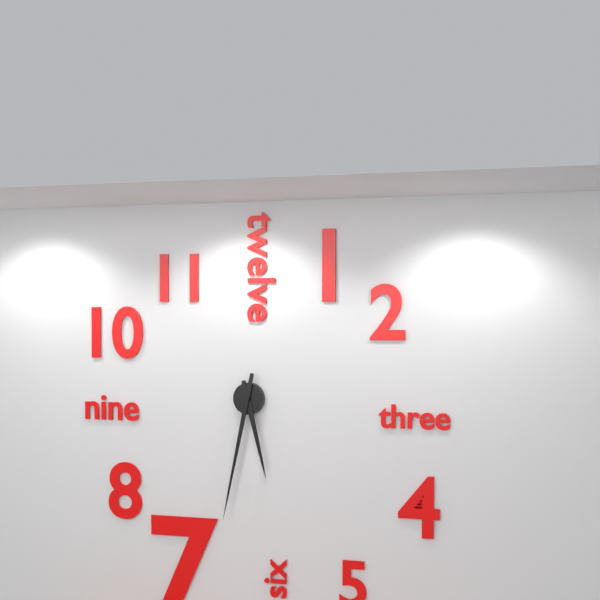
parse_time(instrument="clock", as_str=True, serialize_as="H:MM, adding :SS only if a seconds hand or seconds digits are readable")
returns 5:32
